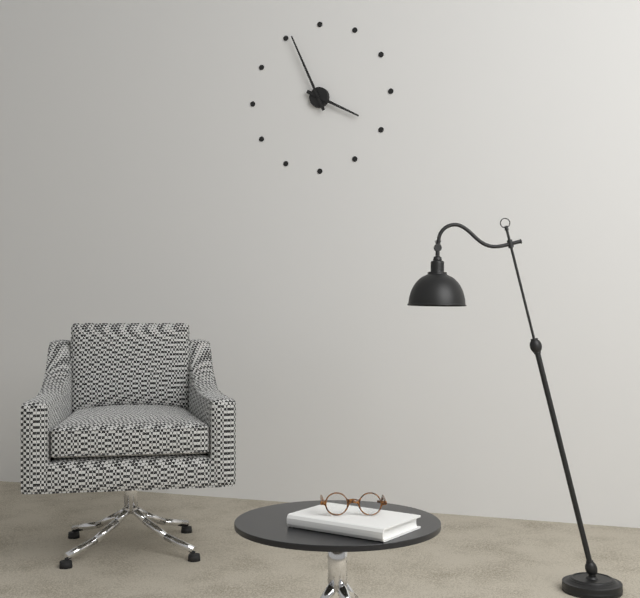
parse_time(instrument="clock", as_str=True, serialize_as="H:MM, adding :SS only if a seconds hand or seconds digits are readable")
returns 3:56
